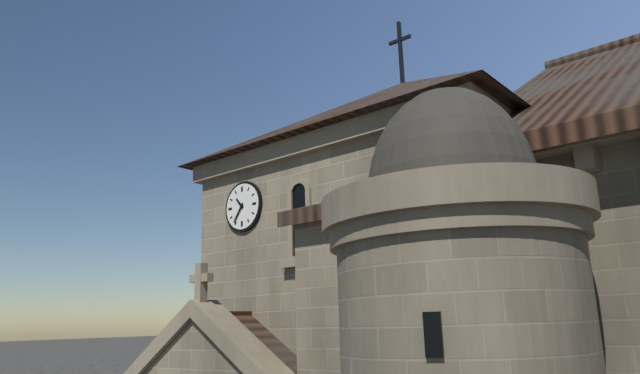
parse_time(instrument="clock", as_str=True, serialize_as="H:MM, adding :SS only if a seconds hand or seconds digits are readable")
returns 10:36
